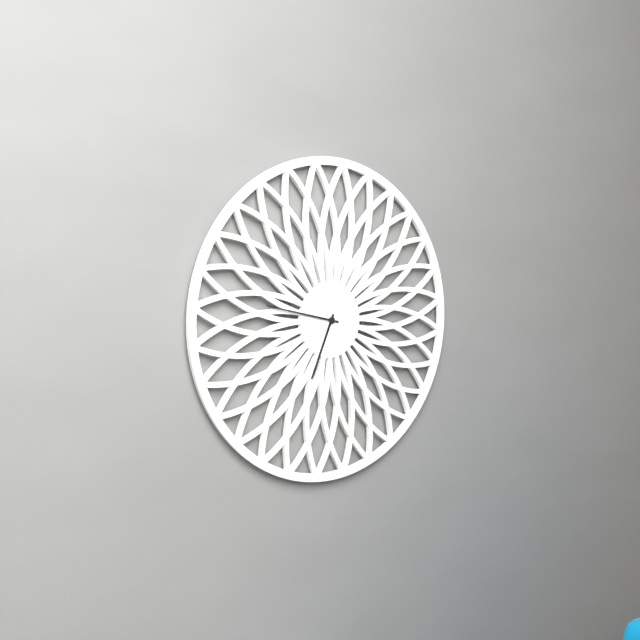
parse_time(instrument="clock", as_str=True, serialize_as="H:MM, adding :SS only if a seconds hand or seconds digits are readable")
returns 6:47
